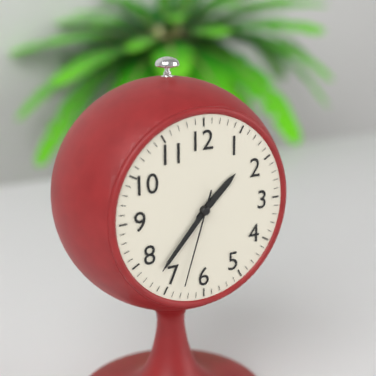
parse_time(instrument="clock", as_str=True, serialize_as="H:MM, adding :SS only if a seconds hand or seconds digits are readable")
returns 1:37:33
